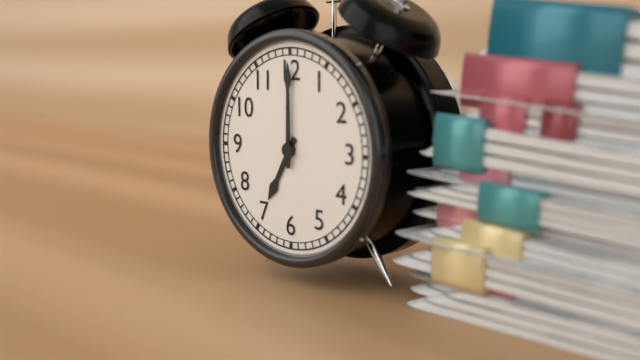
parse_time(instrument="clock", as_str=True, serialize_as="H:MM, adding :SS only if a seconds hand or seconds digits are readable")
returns 7:00
